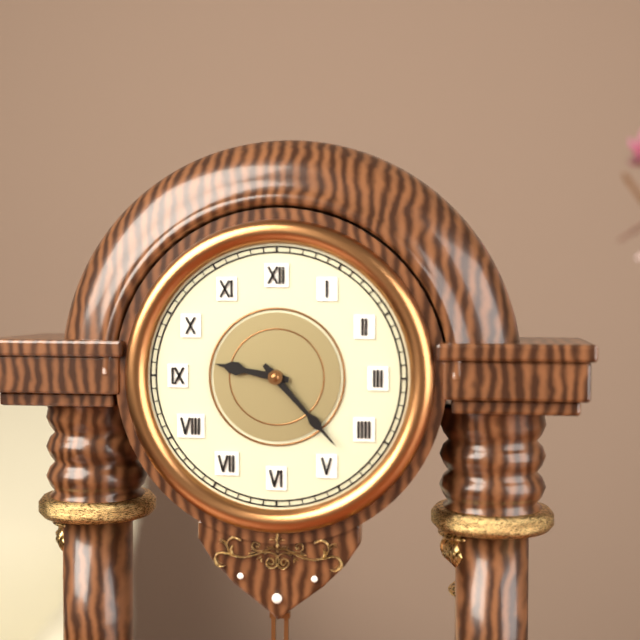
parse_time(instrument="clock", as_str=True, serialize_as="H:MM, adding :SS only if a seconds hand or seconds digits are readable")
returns 9:23
